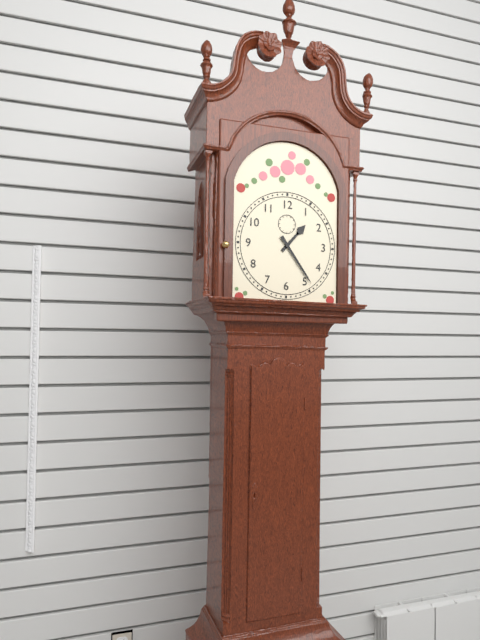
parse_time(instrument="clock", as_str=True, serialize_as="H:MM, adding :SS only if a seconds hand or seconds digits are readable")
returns 1:24
